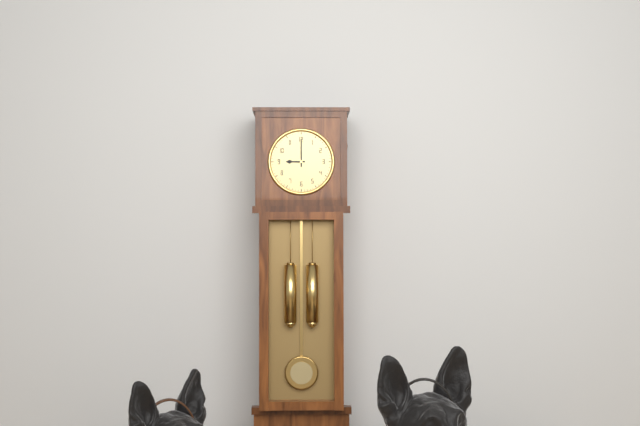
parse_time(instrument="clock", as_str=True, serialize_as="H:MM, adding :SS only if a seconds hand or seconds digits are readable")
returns 9:00
